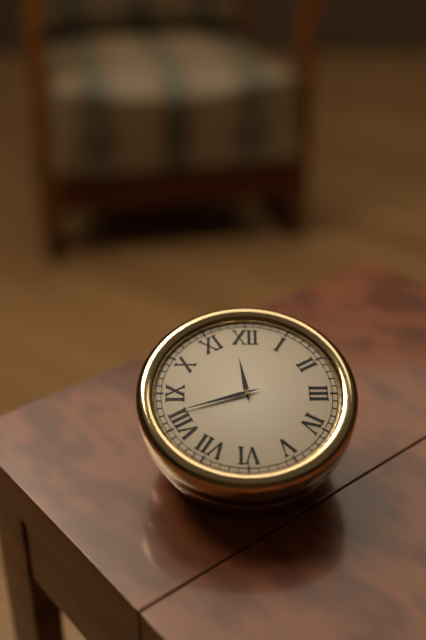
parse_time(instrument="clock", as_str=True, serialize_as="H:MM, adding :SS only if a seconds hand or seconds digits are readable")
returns 11:42
